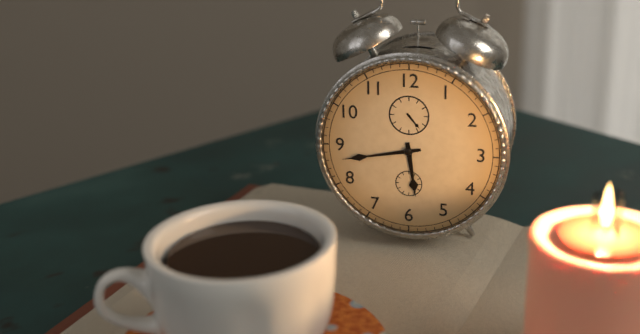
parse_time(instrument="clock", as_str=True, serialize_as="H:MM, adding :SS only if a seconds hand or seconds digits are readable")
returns 5:43
